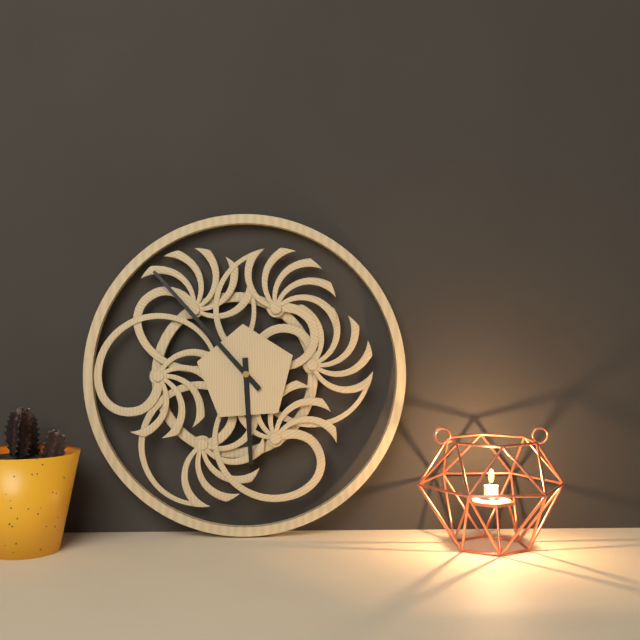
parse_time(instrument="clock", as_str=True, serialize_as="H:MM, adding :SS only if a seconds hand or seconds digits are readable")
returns 5:53
